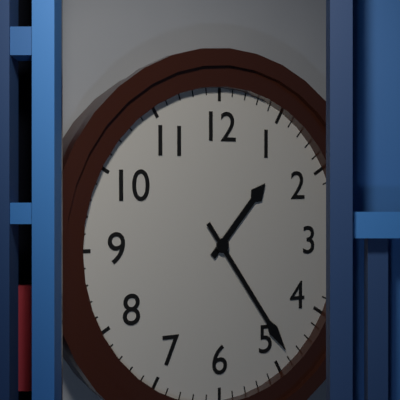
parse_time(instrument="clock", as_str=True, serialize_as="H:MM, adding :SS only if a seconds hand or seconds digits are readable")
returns 1:24
